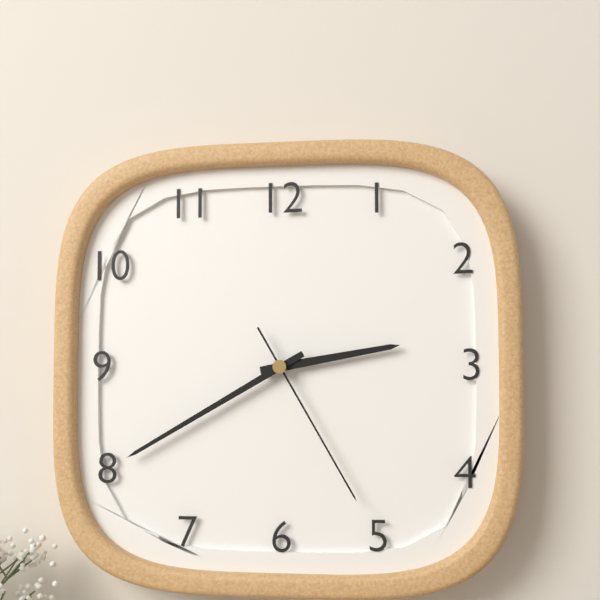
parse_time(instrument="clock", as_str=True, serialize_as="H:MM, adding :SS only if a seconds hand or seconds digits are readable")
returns 2:40:25
